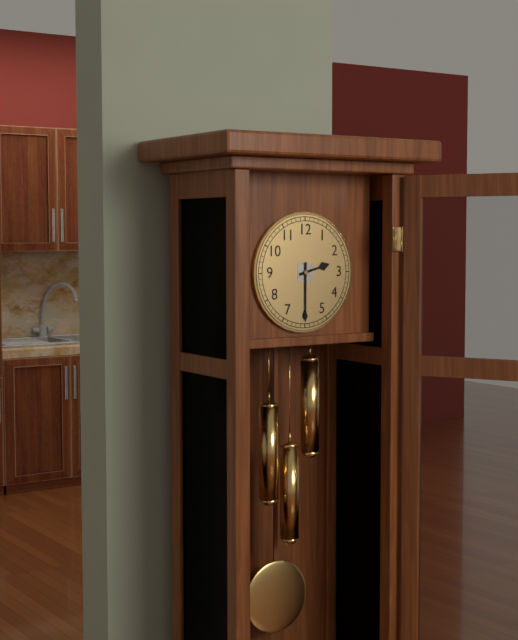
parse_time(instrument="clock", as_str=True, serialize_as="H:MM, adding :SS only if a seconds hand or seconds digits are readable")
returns 2:30
